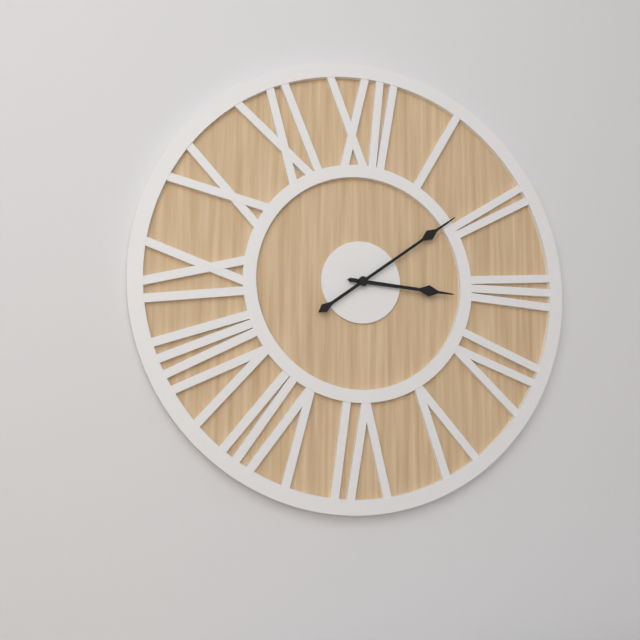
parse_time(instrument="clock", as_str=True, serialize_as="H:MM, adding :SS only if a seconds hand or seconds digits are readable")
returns 3:09
